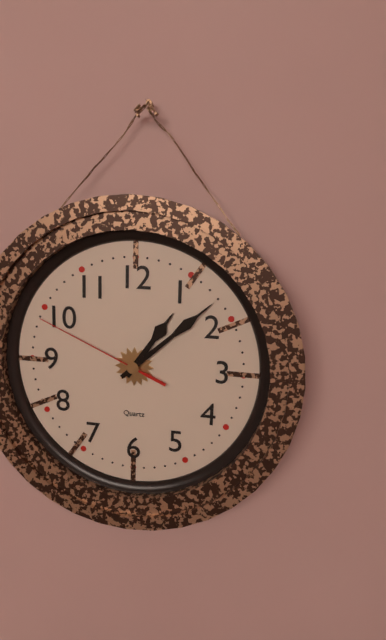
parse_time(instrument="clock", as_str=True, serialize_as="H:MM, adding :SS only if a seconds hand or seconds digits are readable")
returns 1:08:49
